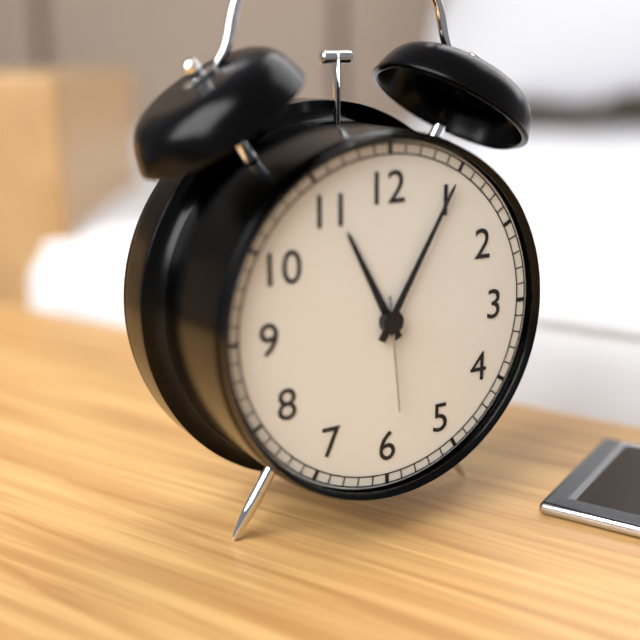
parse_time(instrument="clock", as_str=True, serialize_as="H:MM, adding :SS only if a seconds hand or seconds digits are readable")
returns 11:05:29
